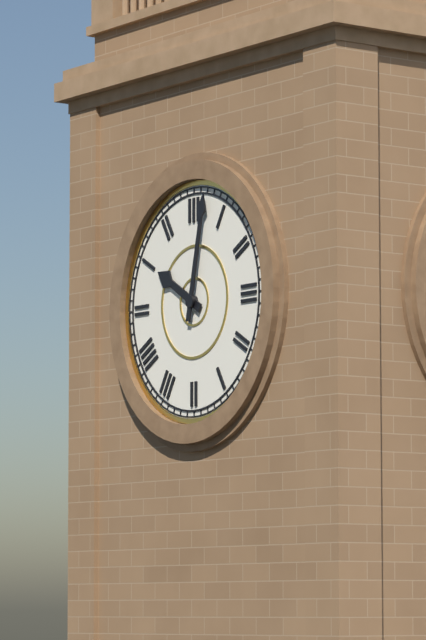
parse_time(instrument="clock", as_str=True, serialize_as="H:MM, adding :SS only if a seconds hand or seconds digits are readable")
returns 10:02
